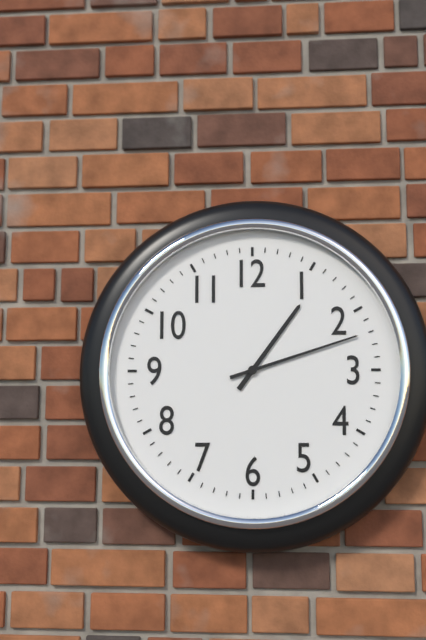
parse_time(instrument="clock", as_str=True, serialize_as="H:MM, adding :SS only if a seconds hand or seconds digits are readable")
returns 1:12
